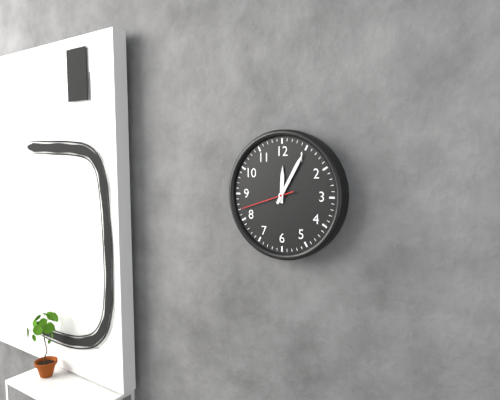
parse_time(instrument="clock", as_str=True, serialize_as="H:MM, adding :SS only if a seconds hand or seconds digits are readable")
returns 12:05:42
